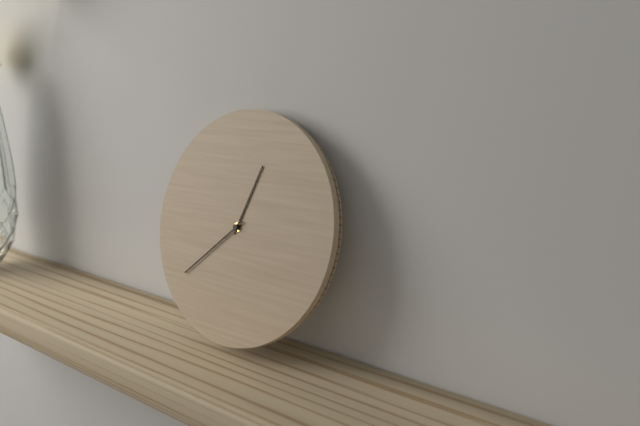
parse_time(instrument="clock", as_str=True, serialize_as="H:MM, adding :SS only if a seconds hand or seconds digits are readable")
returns 12:38
